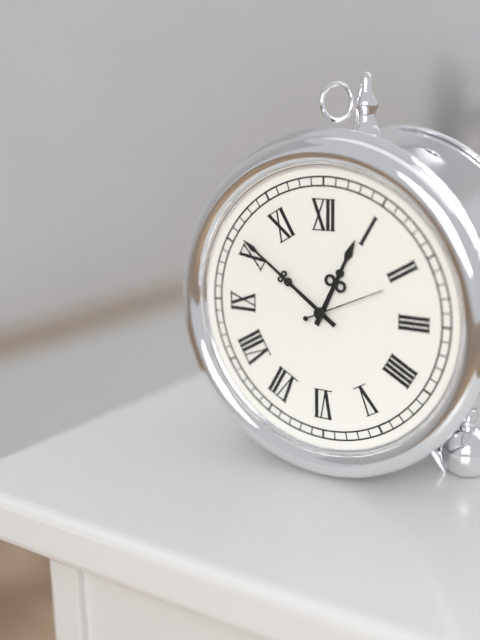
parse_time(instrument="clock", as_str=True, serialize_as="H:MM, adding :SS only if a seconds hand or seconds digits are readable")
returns 12:51:11
